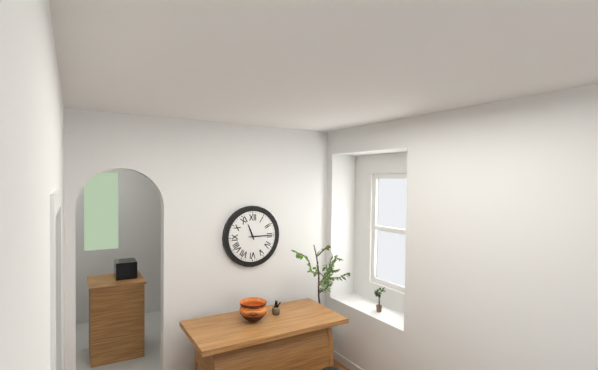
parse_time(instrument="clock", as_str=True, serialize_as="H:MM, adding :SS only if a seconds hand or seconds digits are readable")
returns 11:15
